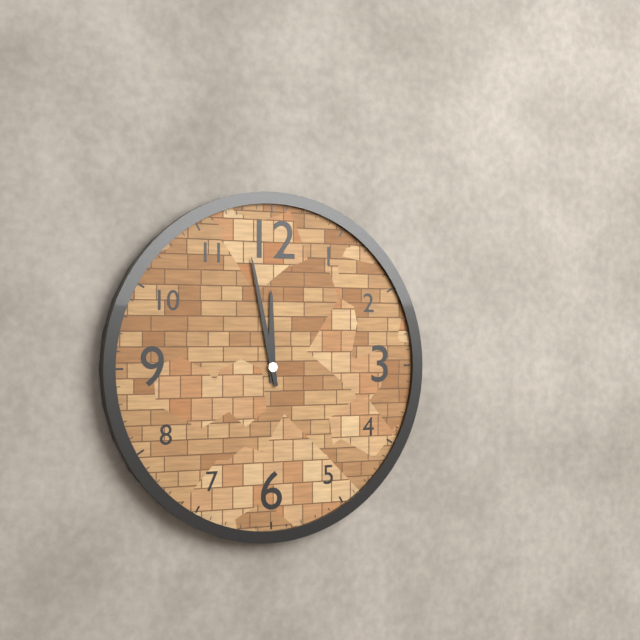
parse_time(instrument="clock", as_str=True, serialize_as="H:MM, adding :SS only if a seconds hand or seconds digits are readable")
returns 11:58
